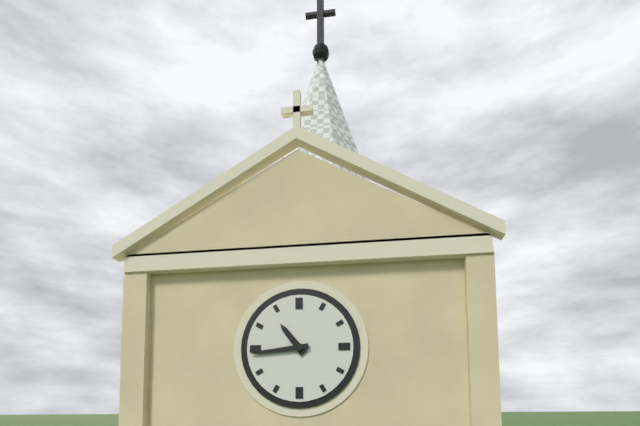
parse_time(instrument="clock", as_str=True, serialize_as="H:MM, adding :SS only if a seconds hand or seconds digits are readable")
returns 10:44
